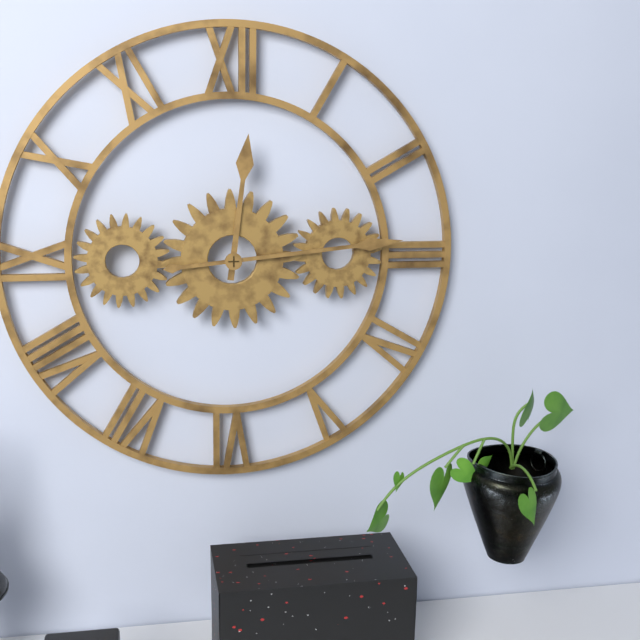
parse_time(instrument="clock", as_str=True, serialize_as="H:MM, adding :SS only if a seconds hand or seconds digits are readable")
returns 12:14
